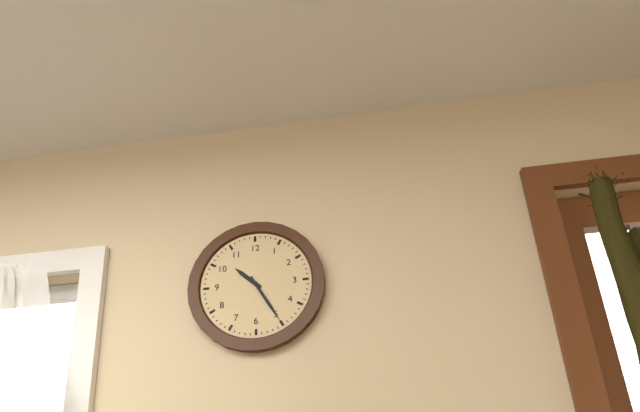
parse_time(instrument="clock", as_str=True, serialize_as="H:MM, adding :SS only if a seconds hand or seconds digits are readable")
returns 10:25
